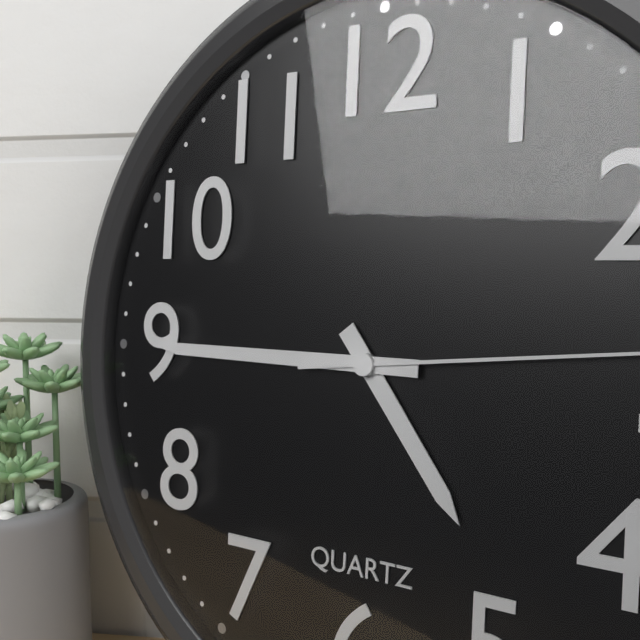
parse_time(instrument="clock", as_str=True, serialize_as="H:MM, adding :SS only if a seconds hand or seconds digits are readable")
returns 4:45
